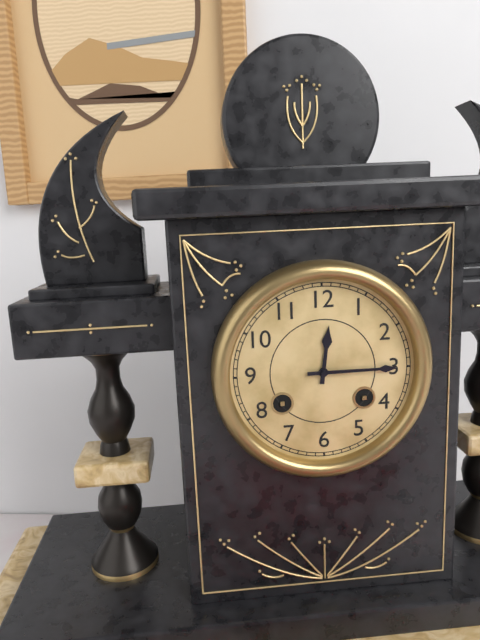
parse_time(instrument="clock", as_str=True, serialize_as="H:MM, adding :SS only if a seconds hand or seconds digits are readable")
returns 12:15
